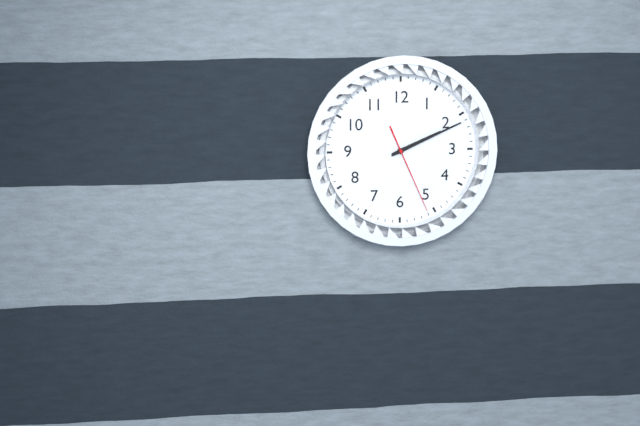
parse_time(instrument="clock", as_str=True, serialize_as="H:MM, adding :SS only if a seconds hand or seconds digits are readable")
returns 2:11:26
